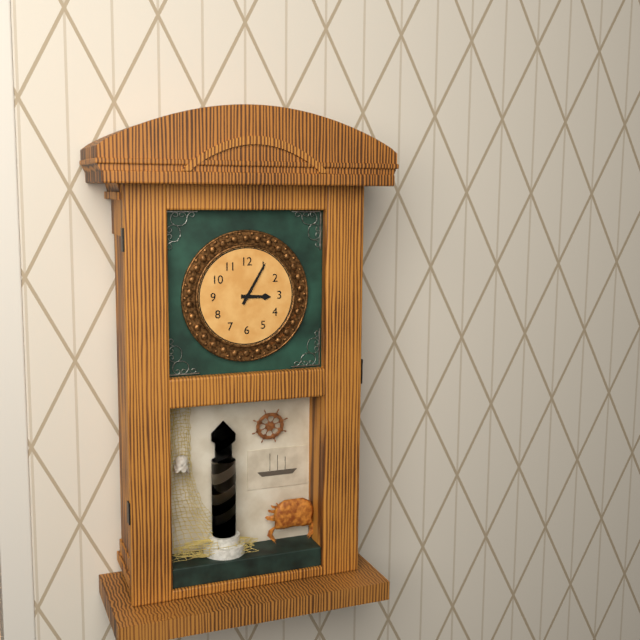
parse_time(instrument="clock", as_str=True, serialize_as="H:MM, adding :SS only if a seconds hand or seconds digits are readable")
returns 3:05
